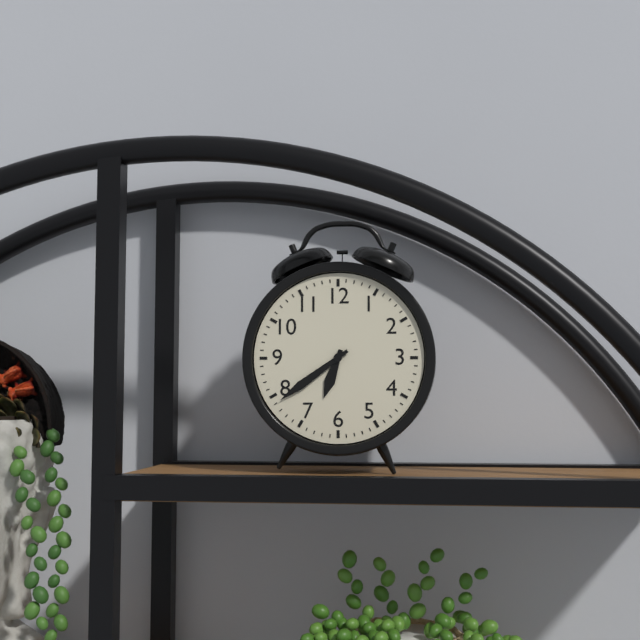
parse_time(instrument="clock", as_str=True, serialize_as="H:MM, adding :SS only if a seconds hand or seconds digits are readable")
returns 6:39
